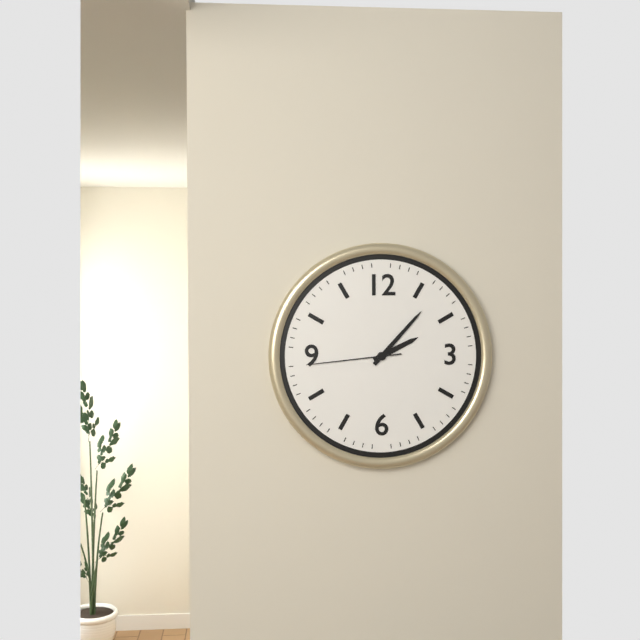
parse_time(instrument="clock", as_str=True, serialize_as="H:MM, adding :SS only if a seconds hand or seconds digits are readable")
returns 2:07:44
